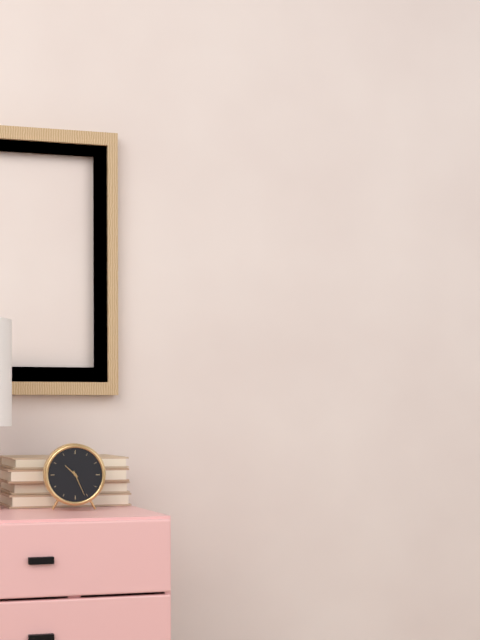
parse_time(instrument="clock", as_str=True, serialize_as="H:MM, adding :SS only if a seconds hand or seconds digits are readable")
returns 10:26
